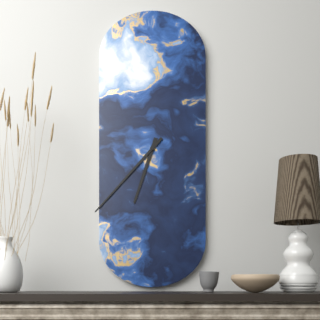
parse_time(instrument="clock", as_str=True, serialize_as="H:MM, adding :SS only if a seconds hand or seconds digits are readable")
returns 6:37
